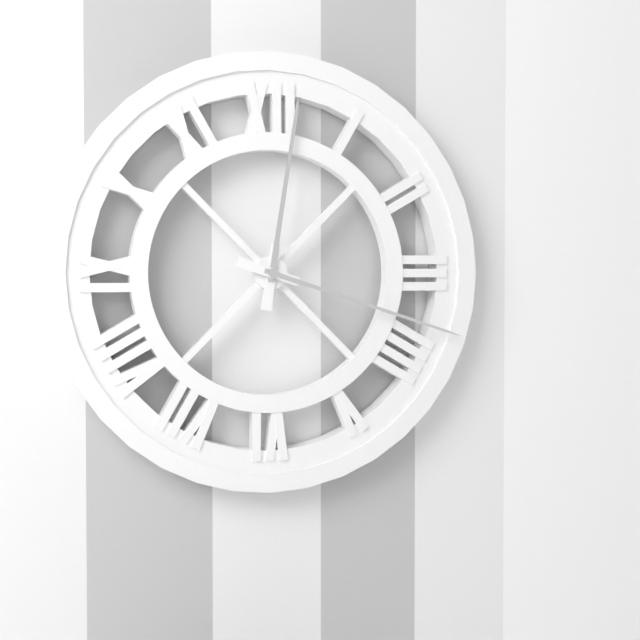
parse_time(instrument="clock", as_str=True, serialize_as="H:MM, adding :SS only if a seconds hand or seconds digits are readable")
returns 12:18
